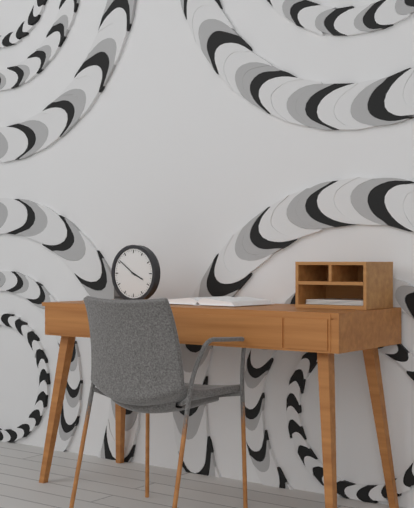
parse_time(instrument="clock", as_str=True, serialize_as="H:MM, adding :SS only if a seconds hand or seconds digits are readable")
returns 3:51
